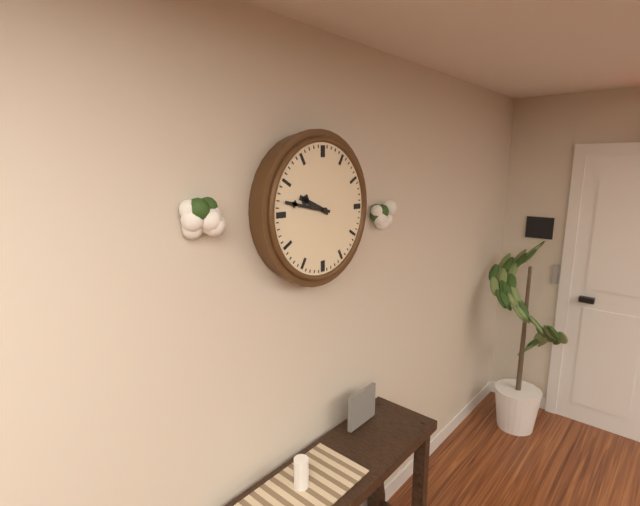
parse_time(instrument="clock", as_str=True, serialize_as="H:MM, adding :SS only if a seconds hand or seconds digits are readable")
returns 9:47
